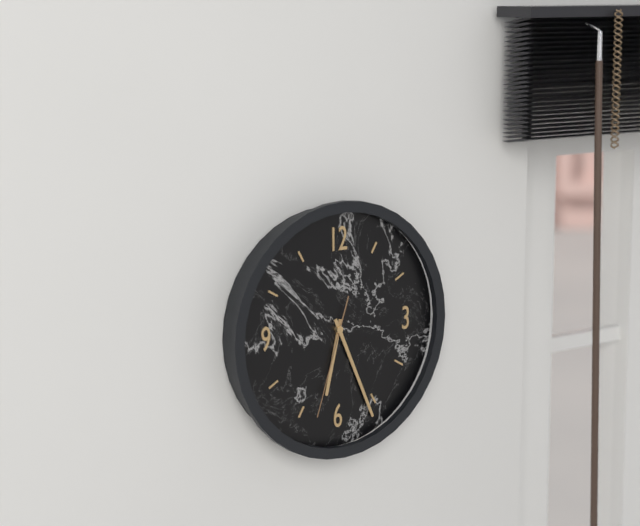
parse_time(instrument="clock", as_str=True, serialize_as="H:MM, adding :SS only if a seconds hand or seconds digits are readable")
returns 6:26:33
